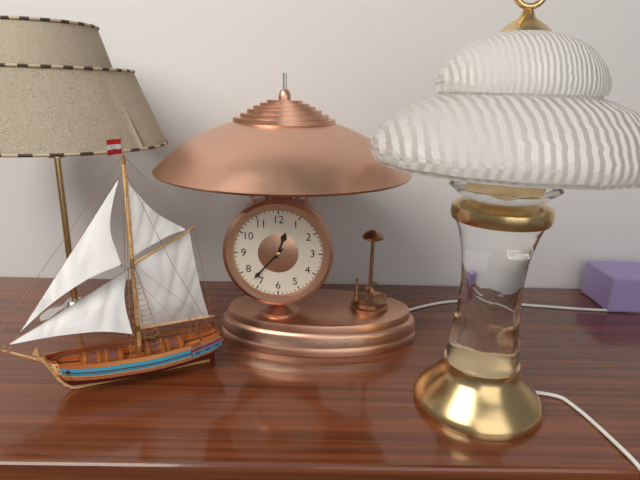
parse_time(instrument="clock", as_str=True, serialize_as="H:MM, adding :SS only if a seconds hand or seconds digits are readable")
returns 12:37
